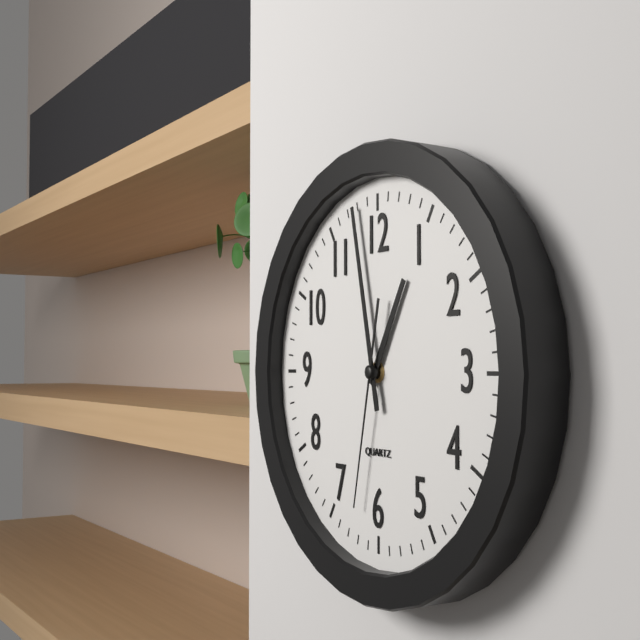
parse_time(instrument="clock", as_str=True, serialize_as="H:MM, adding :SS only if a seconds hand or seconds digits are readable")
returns 12:58:32
